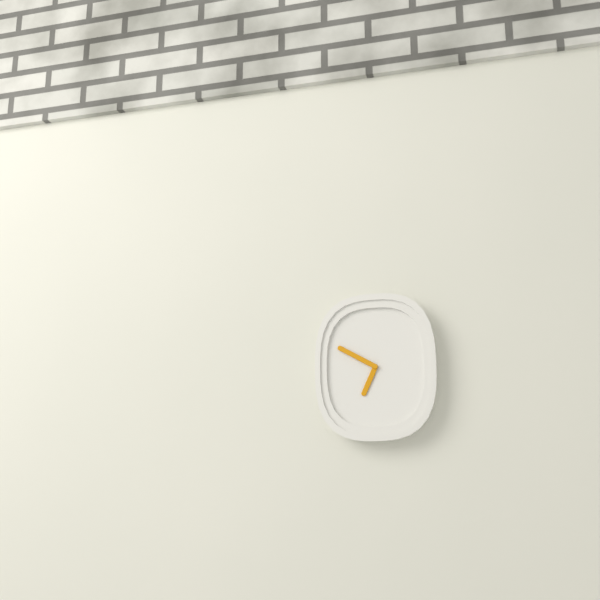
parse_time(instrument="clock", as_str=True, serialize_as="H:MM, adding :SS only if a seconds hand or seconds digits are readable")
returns 6:50
